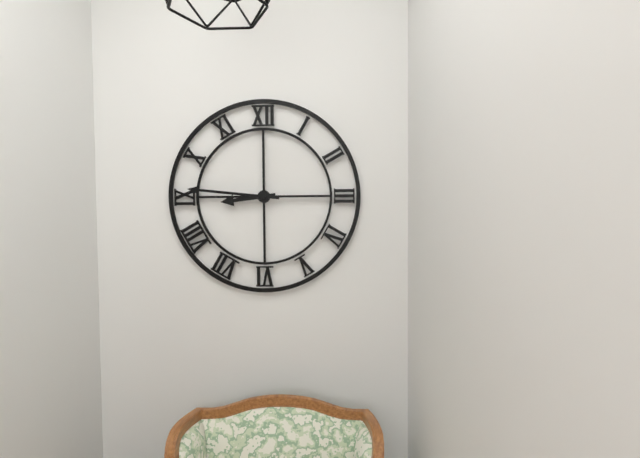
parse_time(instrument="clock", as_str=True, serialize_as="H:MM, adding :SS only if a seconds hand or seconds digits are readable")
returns 8:46
